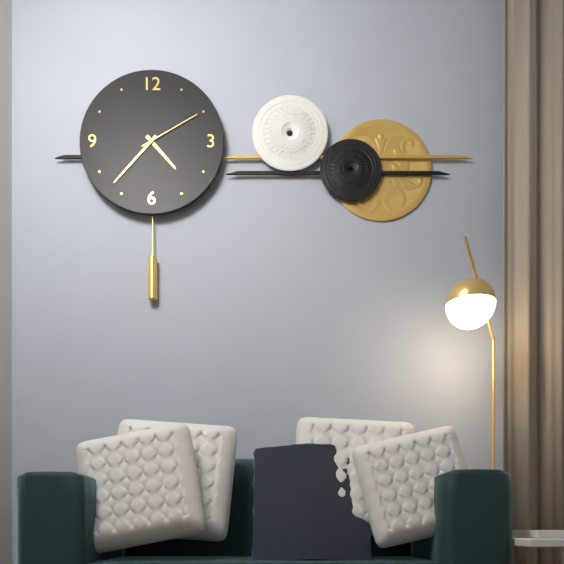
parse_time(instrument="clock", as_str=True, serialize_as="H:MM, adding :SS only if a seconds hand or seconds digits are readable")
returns 4:37:10
